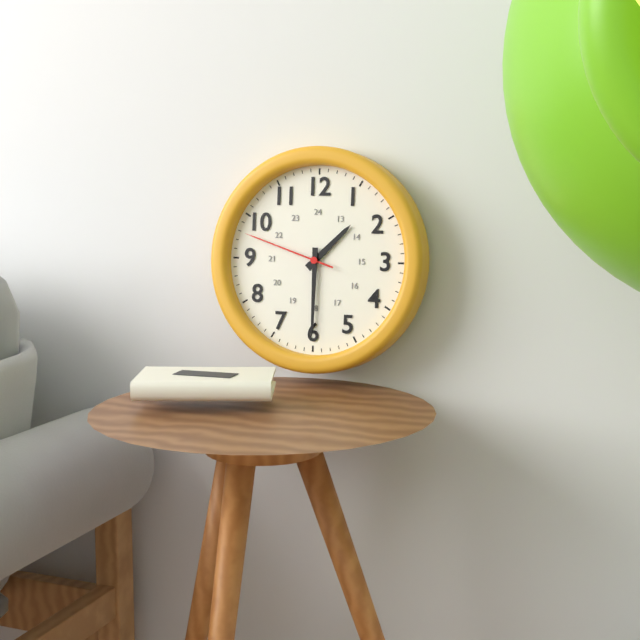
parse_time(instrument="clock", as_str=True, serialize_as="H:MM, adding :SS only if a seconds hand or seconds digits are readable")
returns 1:30:48
